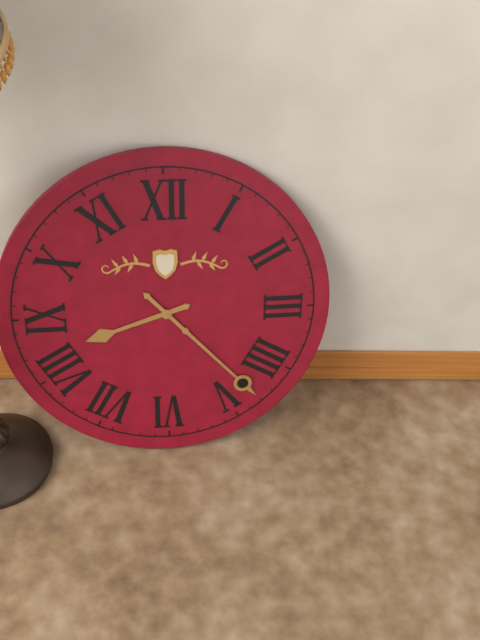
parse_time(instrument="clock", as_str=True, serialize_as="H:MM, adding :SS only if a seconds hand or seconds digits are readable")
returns 8:23
